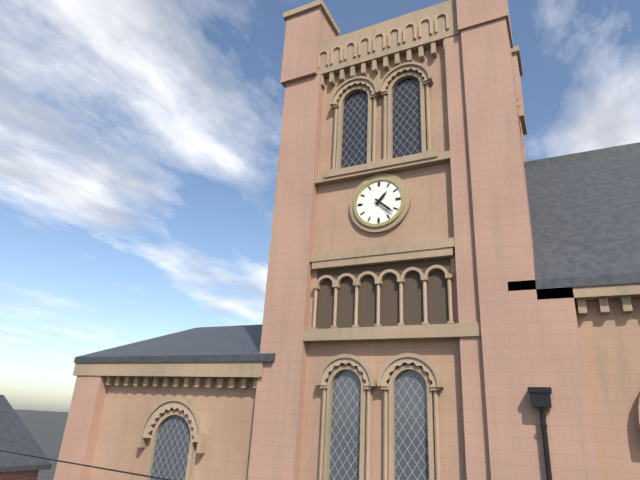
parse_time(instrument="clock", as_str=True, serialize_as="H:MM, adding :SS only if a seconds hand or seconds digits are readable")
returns 1:22
